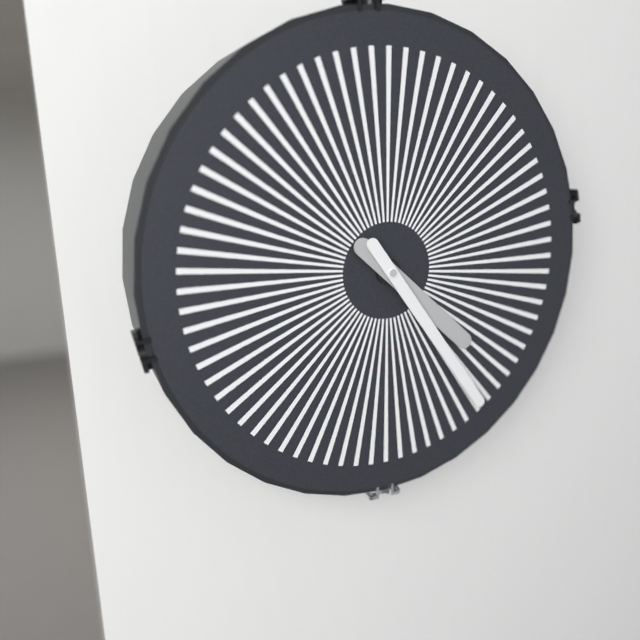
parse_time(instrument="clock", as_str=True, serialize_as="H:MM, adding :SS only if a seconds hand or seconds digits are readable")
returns 4:24
